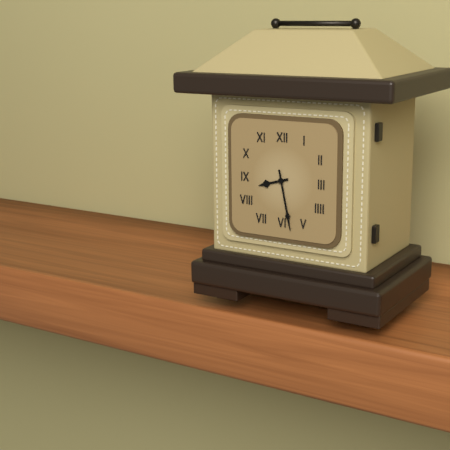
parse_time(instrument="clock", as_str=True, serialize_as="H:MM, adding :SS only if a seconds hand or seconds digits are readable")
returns 8:28
